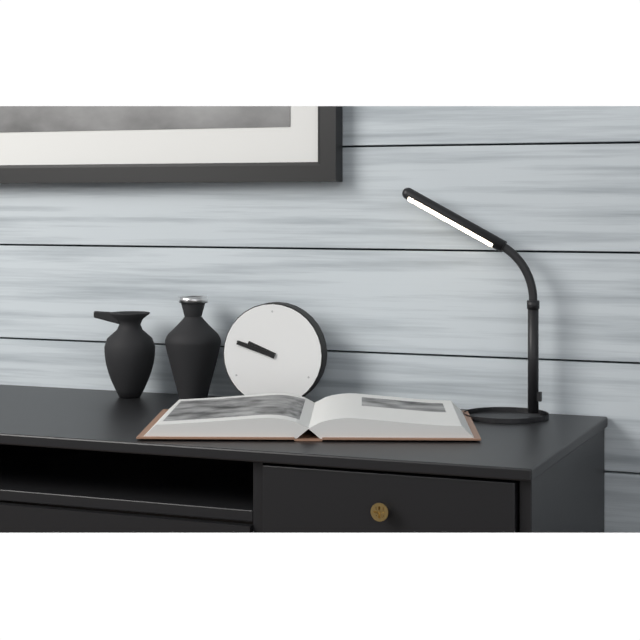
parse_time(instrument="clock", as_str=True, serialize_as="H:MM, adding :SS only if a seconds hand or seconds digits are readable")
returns 9:48
